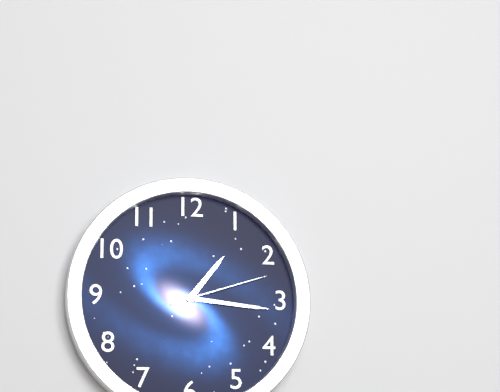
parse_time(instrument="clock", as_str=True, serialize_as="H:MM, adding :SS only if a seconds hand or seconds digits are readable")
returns 1:16:12
